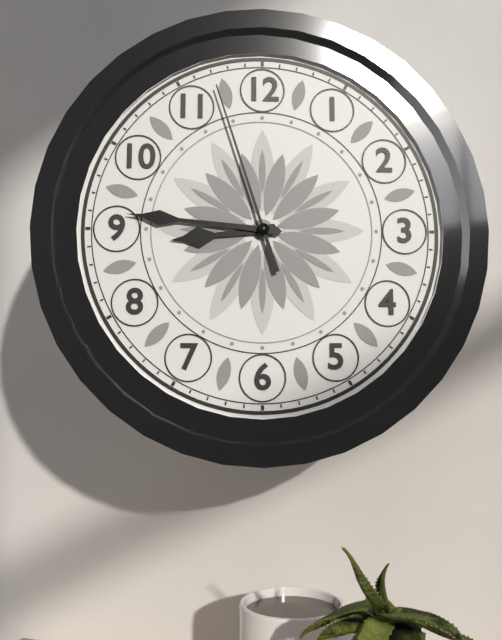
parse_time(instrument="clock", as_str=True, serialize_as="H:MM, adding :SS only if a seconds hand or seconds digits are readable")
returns 8:46:57
